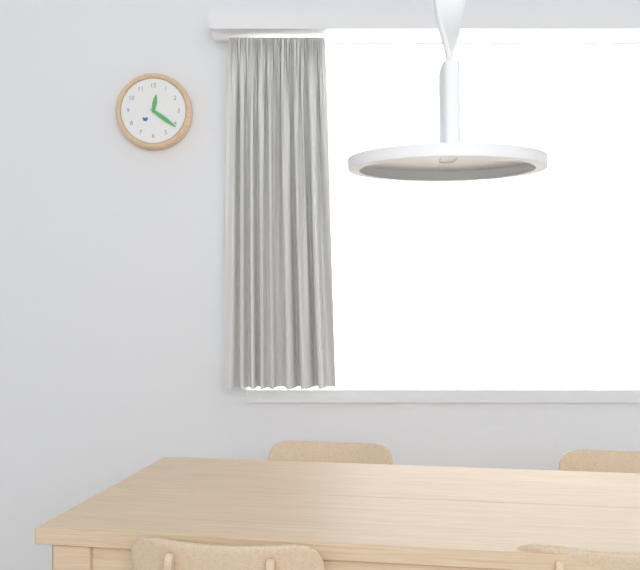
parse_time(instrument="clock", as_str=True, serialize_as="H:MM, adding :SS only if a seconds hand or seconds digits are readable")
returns 12:21
